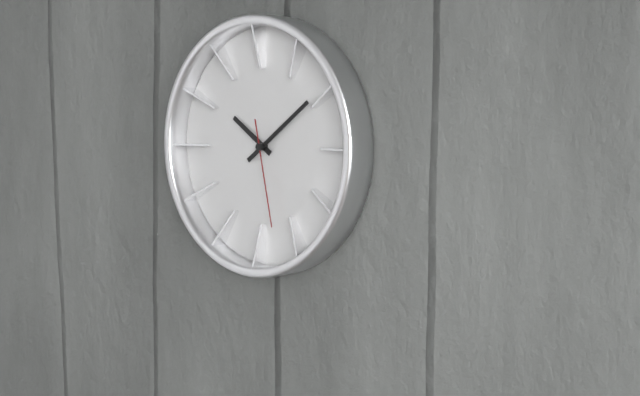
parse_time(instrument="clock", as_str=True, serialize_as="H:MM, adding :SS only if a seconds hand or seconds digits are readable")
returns 10:09:28
